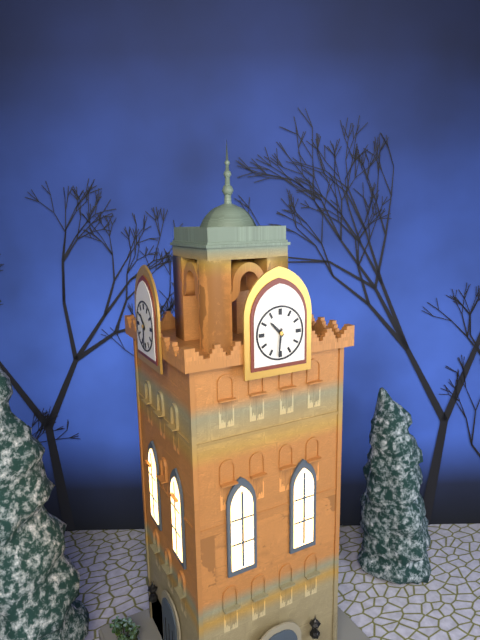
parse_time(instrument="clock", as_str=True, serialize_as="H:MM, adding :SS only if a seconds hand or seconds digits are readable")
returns 10:31
